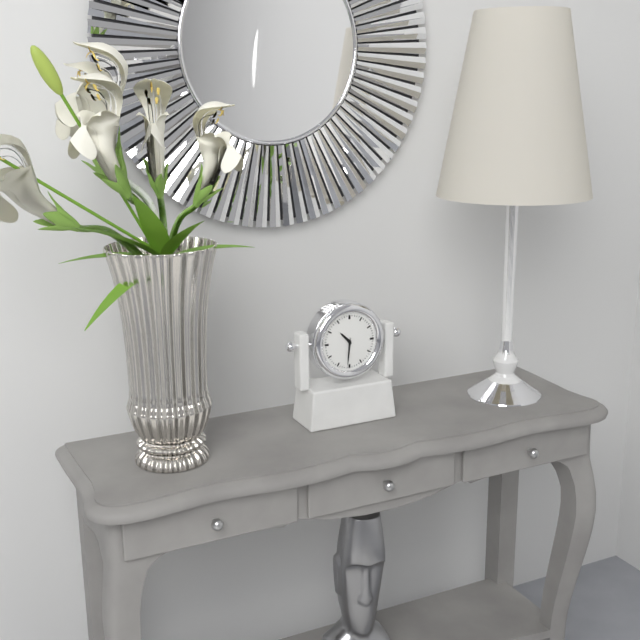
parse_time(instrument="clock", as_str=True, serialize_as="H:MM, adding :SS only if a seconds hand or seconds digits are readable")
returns 10:31
